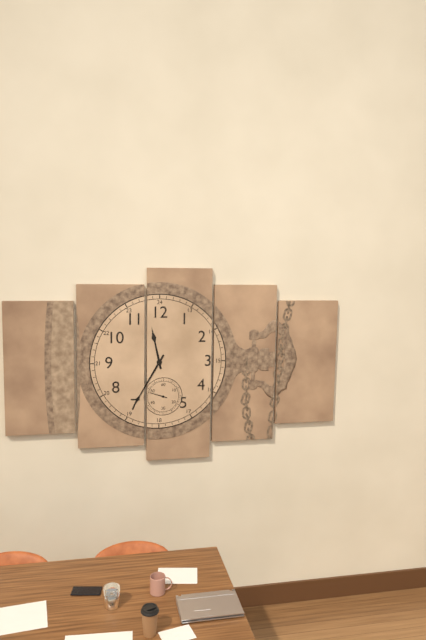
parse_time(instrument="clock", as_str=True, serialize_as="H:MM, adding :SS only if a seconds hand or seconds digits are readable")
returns 11:35
